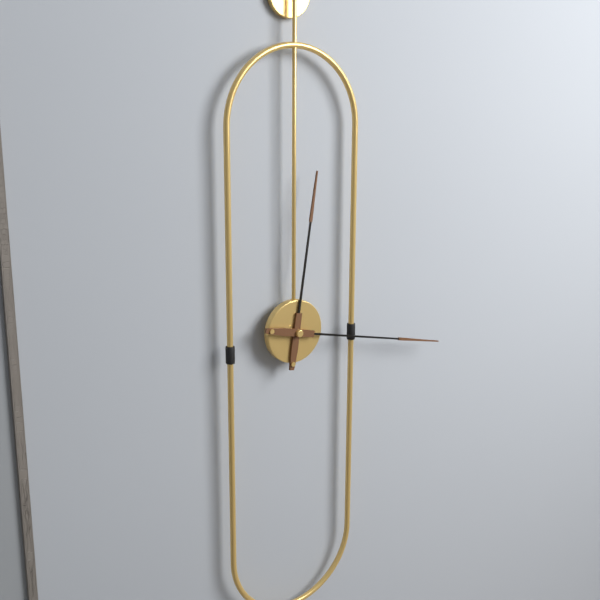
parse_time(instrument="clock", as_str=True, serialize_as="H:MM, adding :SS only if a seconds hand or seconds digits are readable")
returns 12:17
